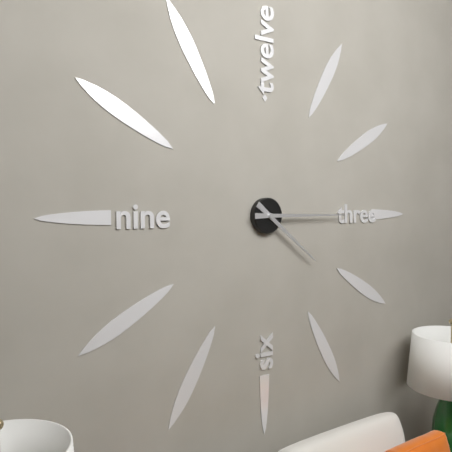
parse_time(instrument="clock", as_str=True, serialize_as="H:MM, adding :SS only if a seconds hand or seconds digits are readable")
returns 4:15
